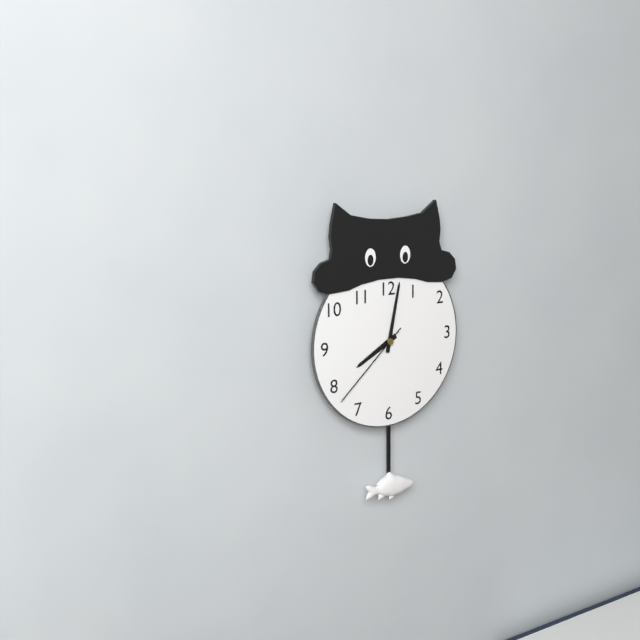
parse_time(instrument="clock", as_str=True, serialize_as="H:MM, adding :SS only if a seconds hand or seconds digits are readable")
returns 8:02:38
